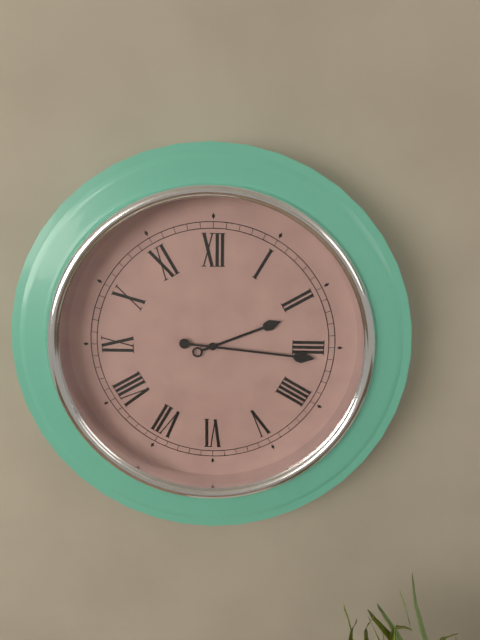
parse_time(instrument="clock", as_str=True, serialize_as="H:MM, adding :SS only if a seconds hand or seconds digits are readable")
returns 2:16
